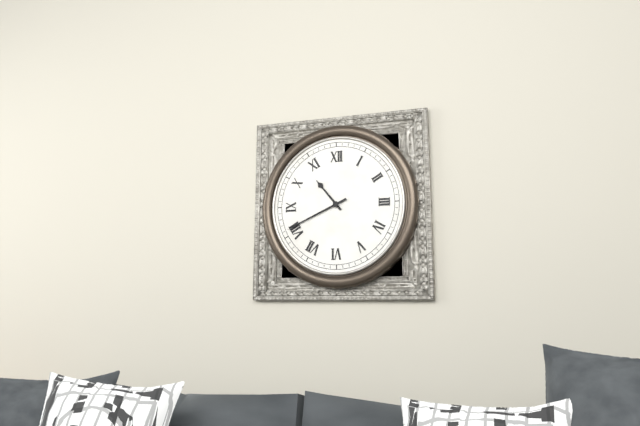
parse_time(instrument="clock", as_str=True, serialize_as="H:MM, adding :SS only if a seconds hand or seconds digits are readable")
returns 10:41
